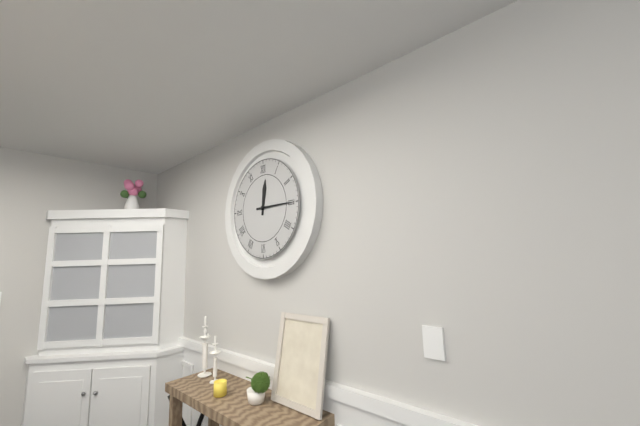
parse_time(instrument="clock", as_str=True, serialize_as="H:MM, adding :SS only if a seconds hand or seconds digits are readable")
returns 12:15
